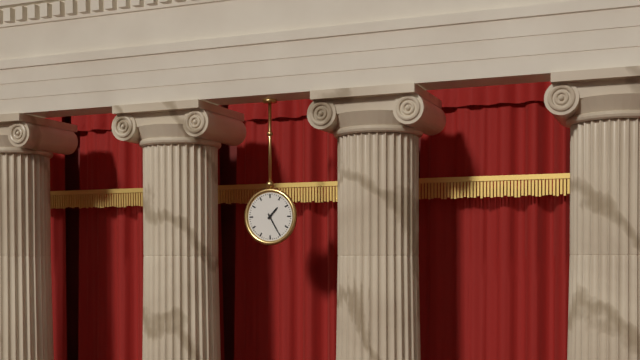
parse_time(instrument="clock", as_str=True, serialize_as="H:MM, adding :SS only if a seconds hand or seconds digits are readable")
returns 1:25
